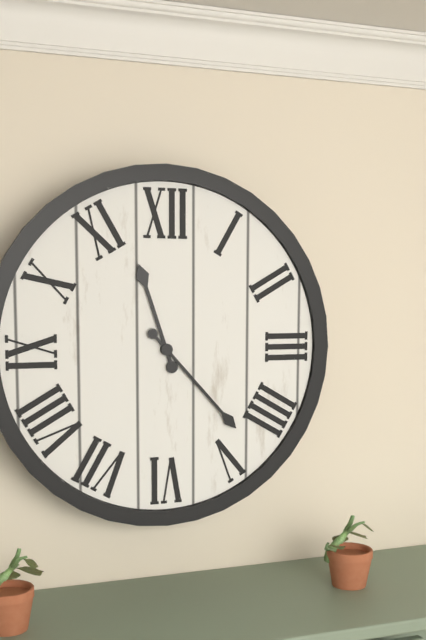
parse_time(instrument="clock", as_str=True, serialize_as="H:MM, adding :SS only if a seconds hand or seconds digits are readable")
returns 11:23
